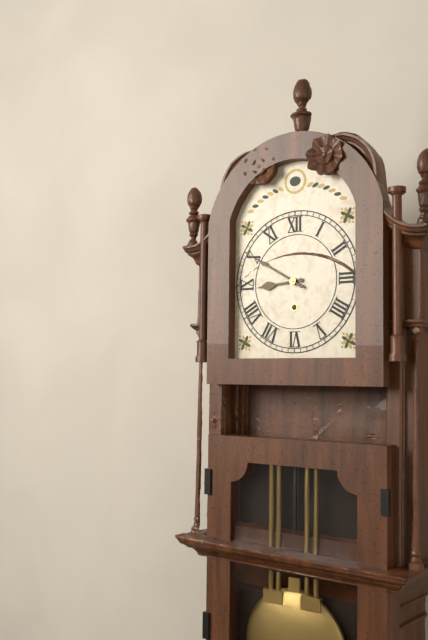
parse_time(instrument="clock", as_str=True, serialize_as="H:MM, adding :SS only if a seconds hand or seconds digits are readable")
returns 8:50
